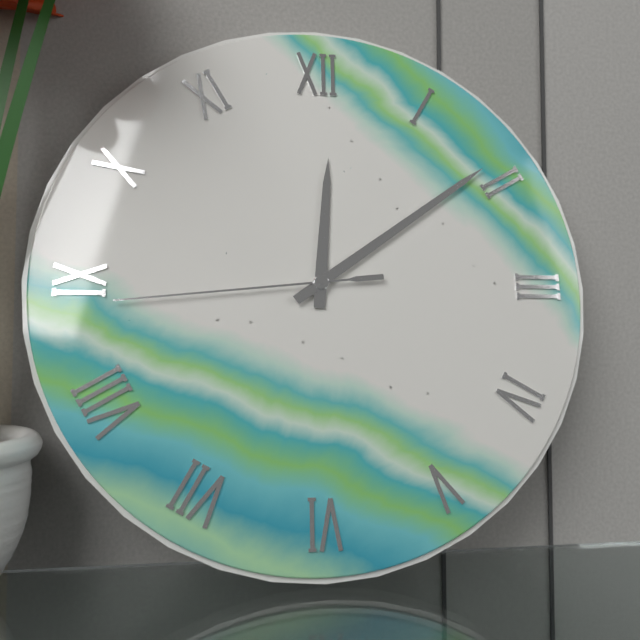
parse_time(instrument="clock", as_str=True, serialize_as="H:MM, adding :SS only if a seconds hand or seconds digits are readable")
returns 12:09:44
